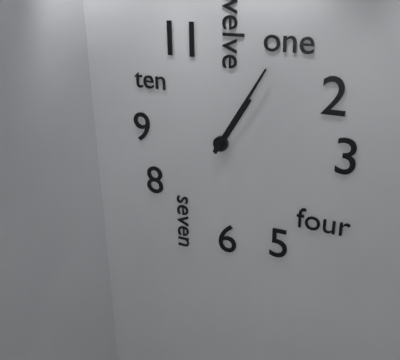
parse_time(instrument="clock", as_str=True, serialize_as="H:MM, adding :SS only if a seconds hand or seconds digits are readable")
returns 1:05
